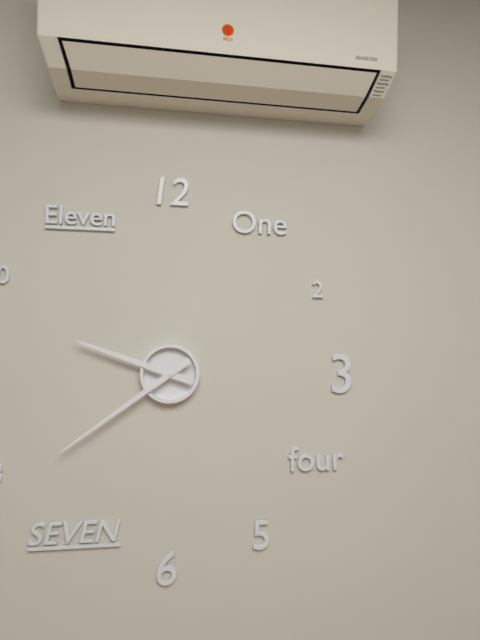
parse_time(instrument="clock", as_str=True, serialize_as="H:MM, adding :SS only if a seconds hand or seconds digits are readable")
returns 9:39
